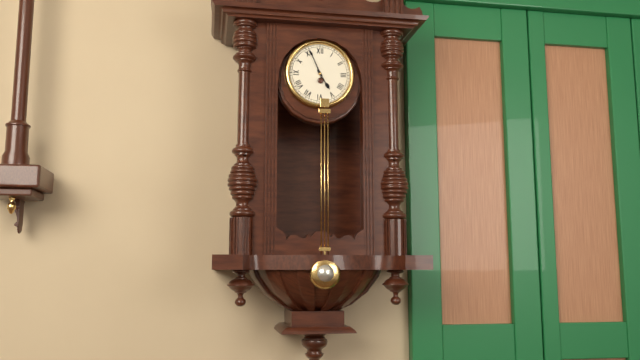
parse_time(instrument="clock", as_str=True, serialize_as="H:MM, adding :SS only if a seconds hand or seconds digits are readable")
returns 4:56
